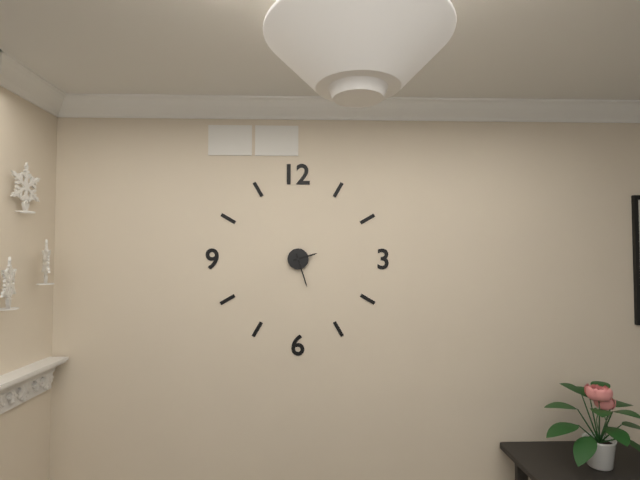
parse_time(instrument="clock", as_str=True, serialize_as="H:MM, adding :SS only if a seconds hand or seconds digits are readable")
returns 2:27
